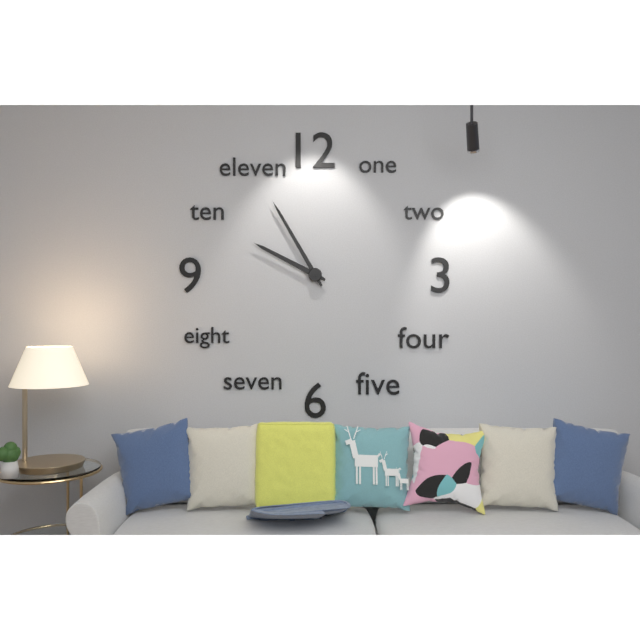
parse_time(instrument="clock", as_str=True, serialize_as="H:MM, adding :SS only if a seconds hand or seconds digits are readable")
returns 9:55
